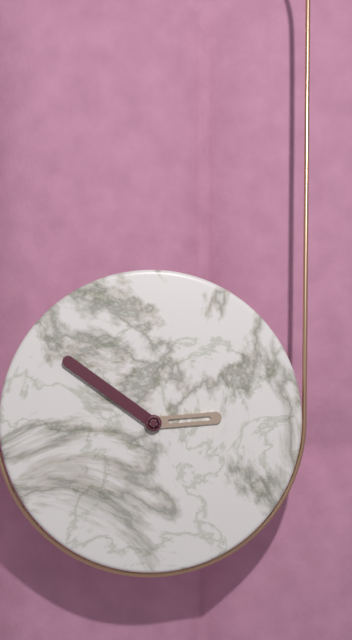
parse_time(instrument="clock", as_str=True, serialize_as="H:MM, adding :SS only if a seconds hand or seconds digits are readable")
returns 2:51
